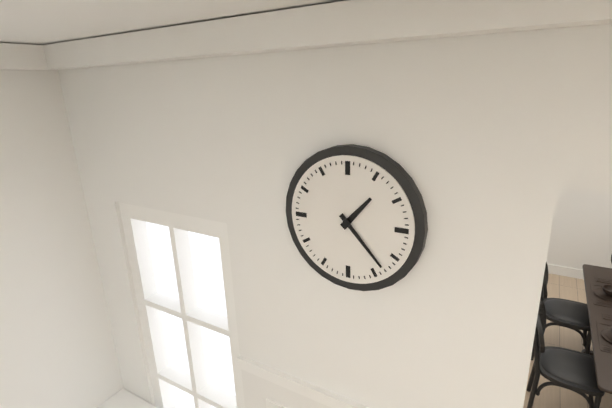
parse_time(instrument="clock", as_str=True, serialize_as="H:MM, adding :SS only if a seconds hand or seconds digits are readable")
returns 1:23
